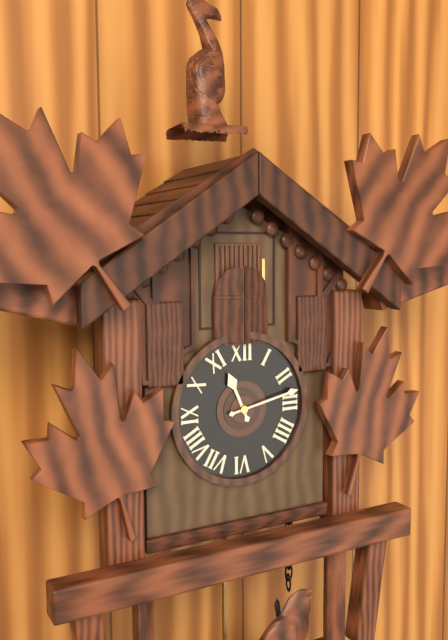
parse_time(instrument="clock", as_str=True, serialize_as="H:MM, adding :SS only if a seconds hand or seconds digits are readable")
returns 11:13
